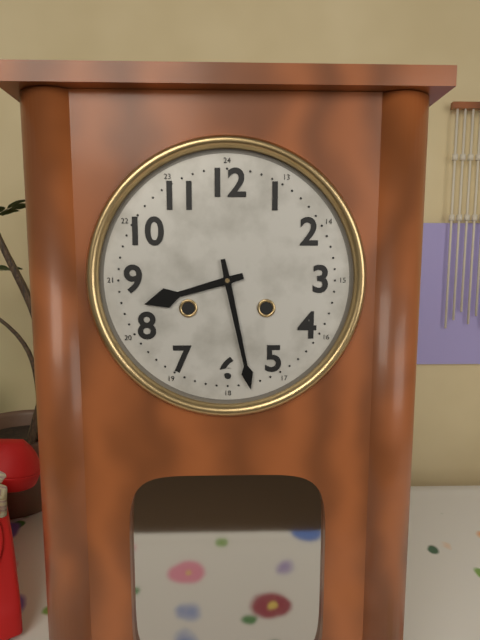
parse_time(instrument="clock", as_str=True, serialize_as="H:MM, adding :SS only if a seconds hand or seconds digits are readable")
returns 8:28
